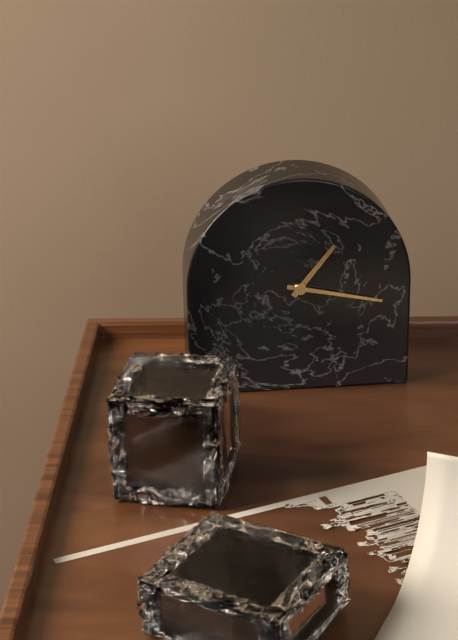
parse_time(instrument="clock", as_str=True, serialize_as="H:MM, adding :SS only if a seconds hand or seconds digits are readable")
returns 1:17
